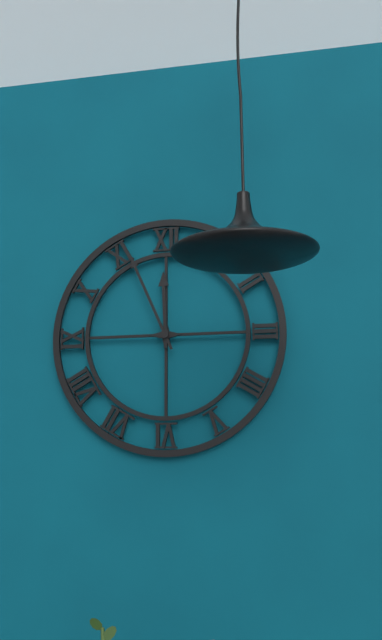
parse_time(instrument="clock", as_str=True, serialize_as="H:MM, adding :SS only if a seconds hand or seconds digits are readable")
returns 11:56
